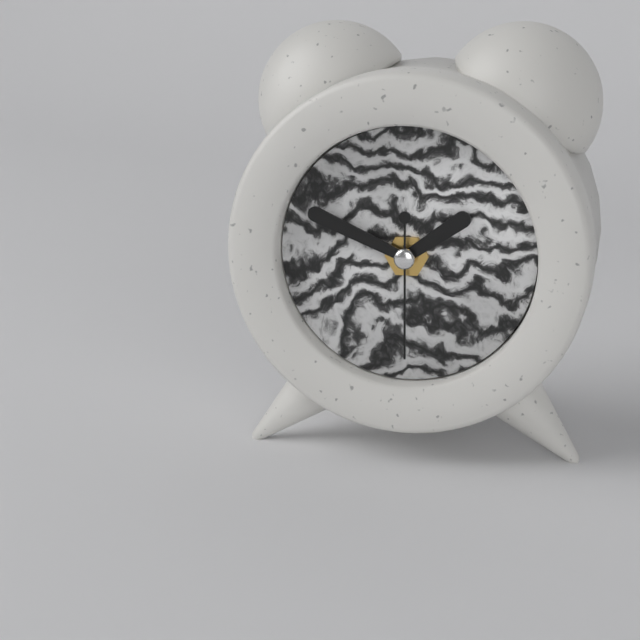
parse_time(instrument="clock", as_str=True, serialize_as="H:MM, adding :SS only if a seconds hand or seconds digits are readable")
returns 1:49:30
